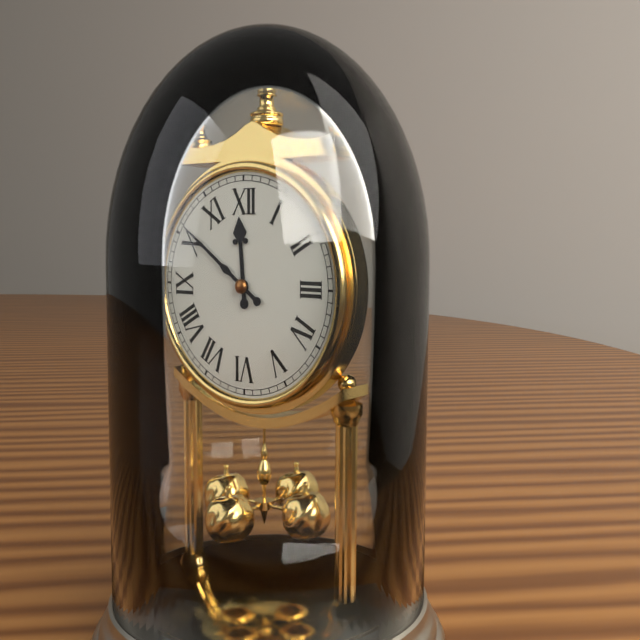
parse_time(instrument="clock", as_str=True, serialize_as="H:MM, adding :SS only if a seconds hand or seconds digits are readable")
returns 11:51
